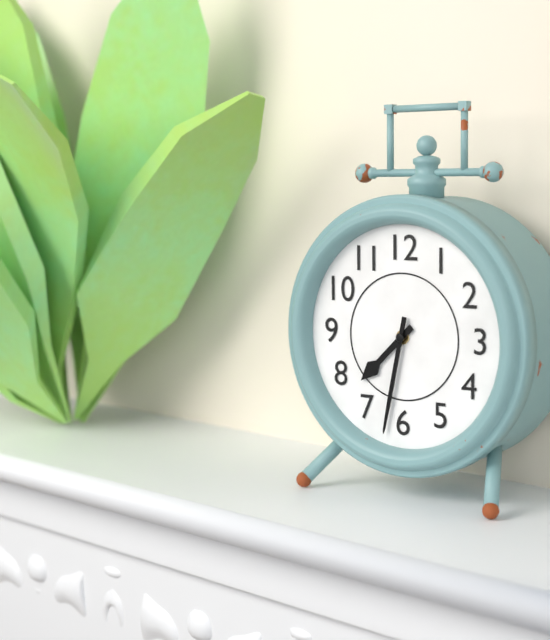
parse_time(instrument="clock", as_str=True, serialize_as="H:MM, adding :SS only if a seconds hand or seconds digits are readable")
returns 7:32
